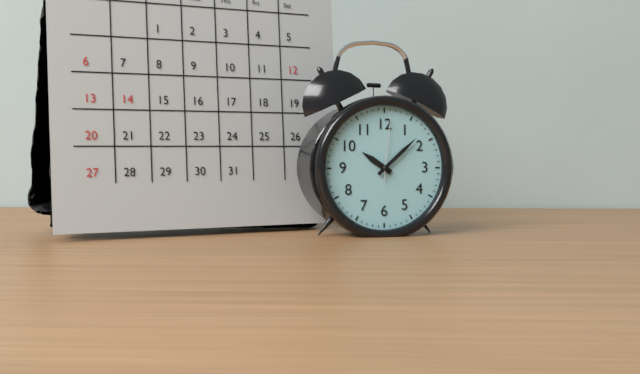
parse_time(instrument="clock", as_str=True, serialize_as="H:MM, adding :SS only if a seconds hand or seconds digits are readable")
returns 10:08:01
